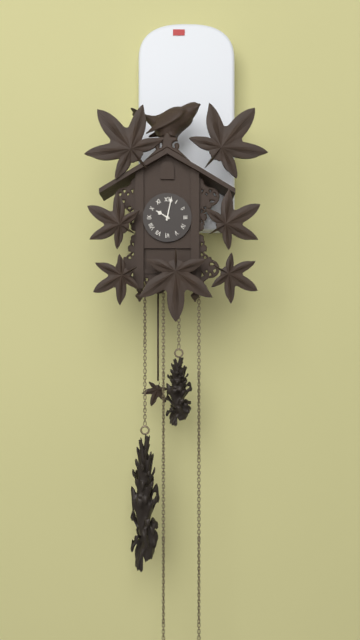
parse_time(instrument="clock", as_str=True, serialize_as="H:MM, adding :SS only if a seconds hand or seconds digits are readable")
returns 10:02
